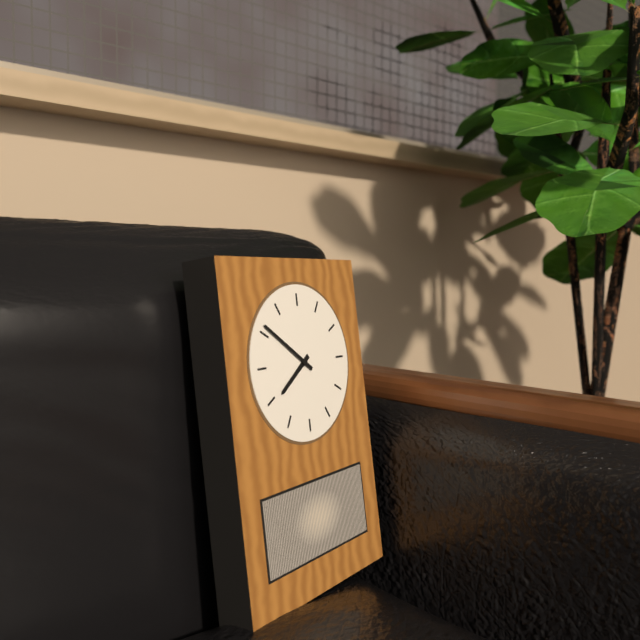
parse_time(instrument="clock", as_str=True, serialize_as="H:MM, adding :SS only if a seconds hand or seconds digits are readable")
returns 7:51
